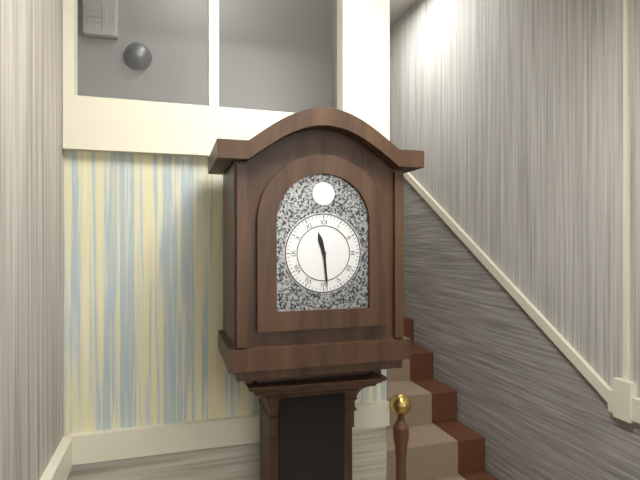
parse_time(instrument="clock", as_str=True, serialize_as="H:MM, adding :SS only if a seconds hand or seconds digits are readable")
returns 11:29
